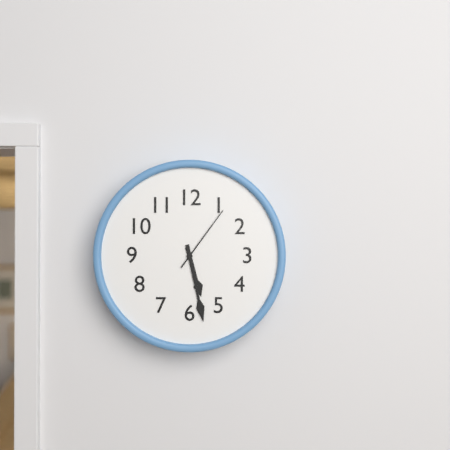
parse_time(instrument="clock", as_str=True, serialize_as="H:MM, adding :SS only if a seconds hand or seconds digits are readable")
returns 5:28:06
